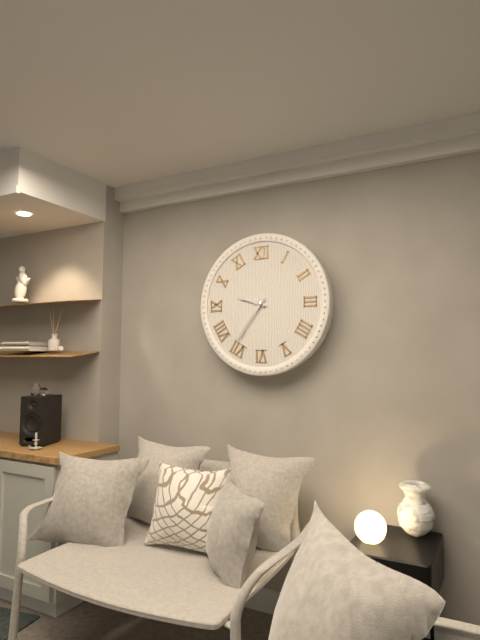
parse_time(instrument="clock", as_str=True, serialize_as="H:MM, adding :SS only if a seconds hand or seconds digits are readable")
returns 9:36
